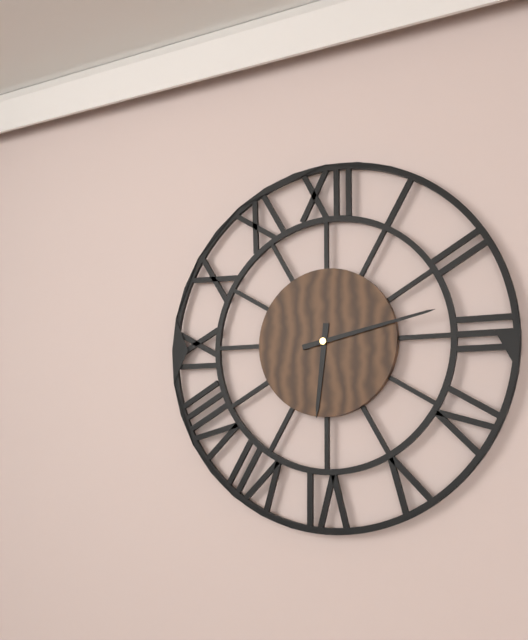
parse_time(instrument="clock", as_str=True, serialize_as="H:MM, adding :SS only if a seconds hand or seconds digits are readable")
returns 6:13
